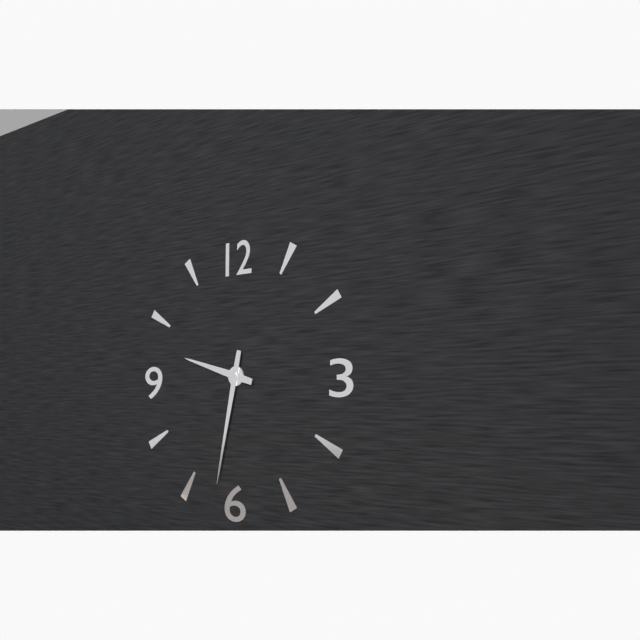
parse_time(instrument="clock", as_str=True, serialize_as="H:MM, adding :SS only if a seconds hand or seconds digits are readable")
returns 9:32
